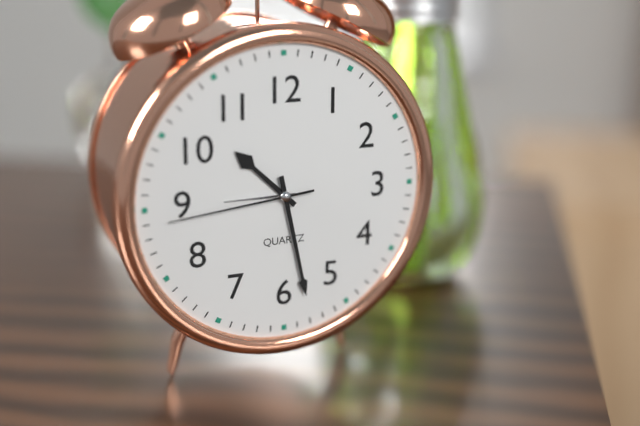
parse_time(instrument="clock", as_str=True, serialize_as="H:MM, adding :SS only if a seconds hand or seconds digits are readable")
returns 10:28:44
